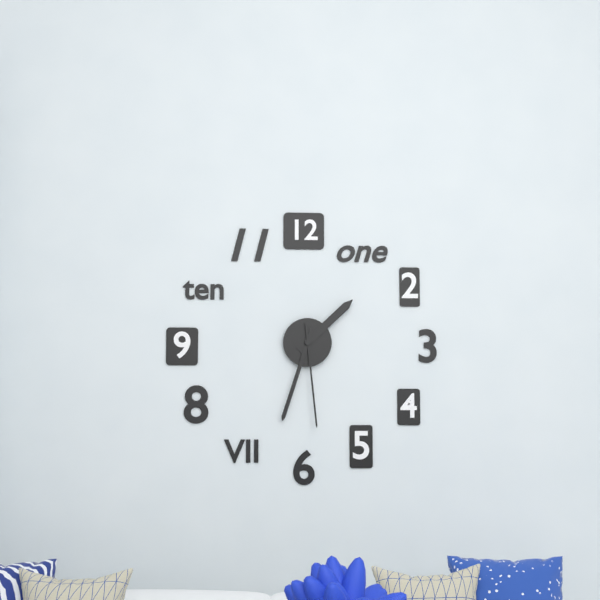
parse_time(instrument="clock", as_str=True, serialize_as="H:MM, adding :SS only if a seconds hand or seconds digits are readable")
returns 1:33:29
